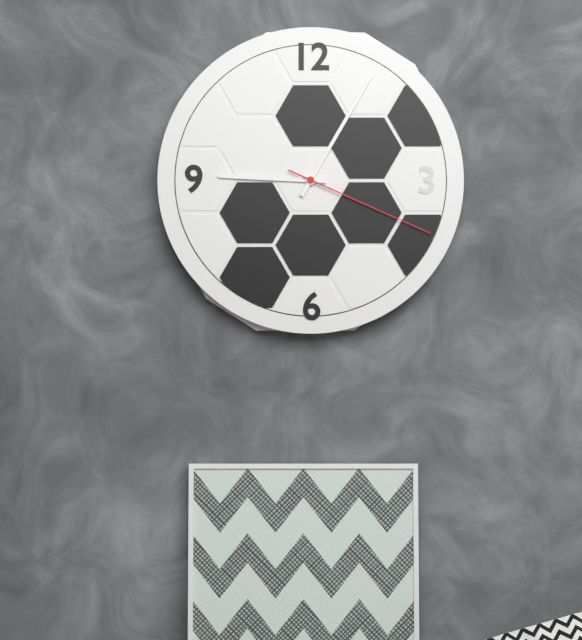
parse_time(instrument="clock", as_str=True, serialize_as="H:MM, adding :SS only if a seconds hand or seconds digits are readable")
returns 9:05:19
